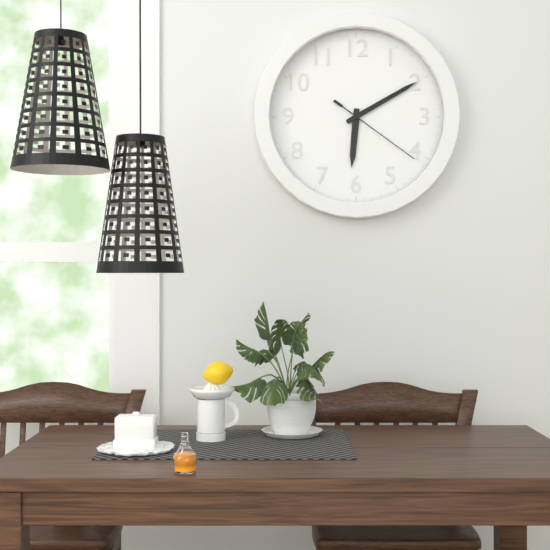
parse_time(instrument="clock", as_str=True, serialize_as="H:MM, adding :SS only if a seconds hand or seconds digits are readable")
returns 6:10:21
